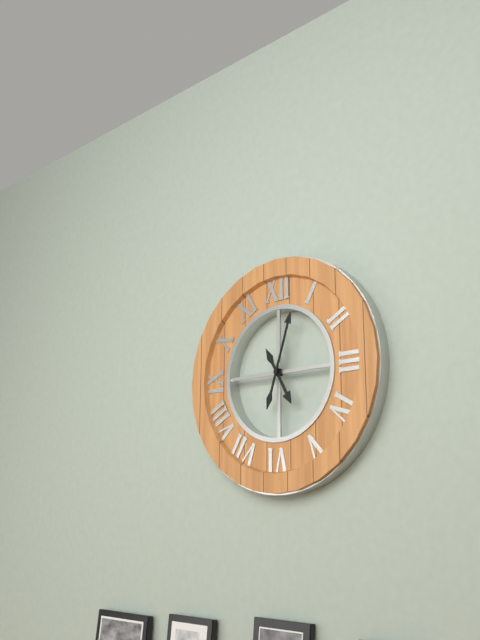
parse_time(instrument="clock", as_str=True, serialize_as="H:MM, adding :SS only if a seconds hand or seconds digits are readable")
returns 5:03
